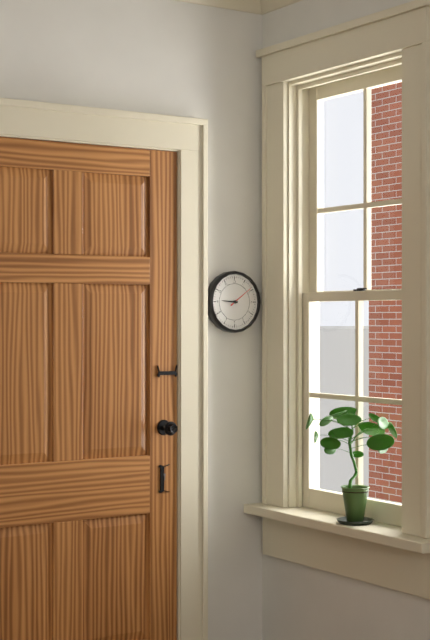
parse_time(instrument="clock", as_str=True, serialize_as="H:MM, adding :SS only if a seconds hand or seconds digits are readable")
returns 9:09
